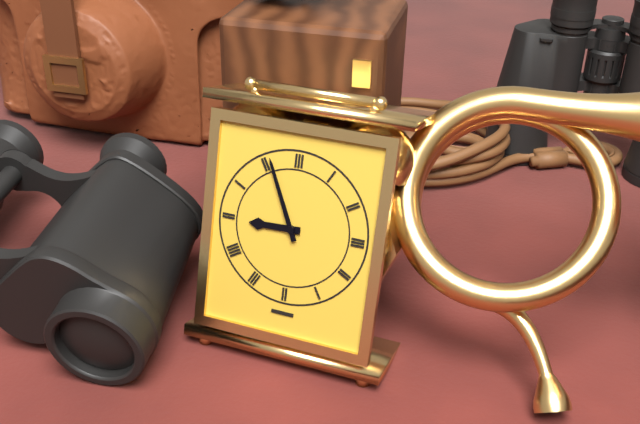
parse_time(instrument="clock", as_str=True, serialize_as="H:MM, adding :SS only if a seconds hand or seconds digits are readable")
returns 8:56
